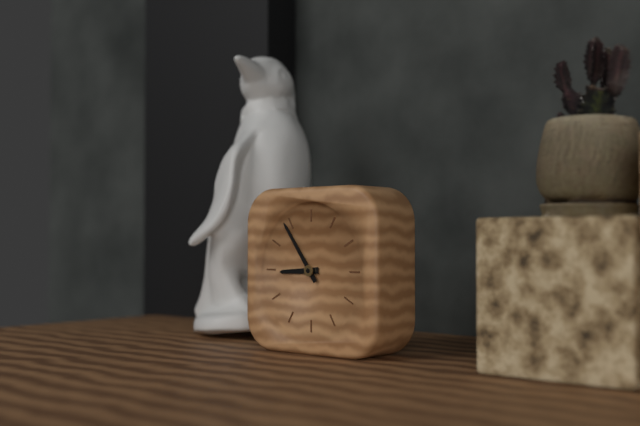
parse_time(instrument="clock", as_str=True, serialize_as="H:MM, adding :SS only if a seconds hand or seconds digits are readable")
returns 8:54
